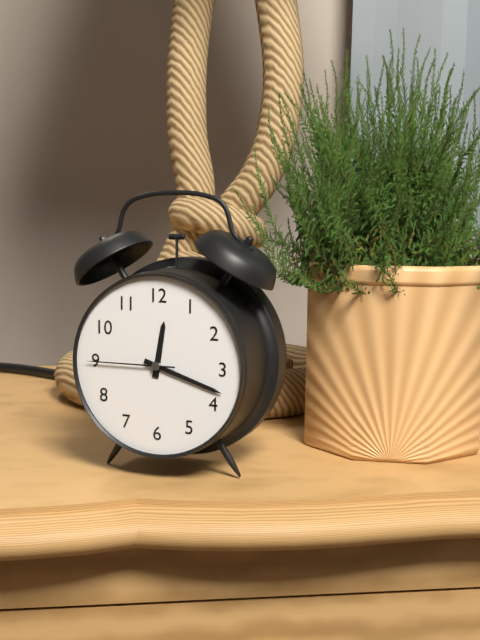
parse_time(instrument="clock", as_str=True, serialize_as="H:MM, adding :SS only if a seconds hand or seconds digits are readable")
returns 12:18:45
